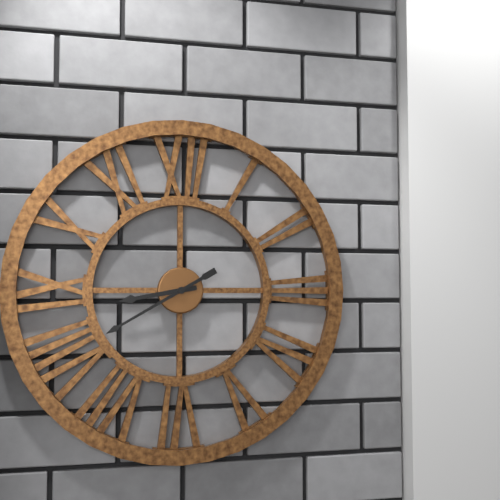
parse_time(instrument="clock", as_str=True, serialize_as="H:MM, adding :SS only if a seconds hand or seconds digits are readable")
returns 8:40
